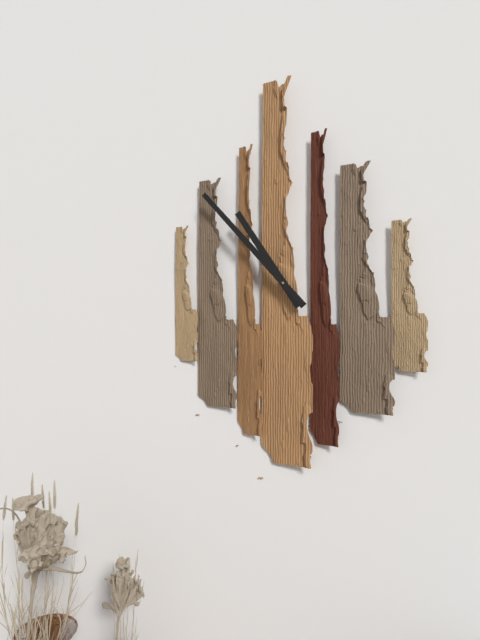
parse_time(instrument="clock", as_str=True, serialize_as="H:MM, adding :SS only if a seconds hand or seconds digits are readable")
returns 10:53
